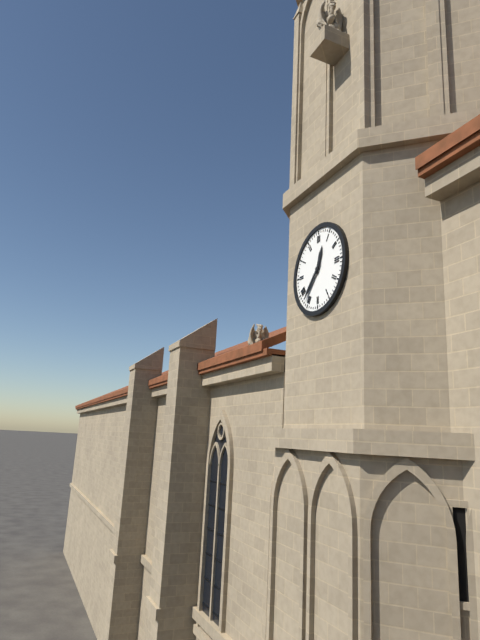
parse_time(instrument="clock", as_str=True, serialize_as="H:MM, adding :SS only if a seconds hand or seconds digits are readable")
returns 12:37
